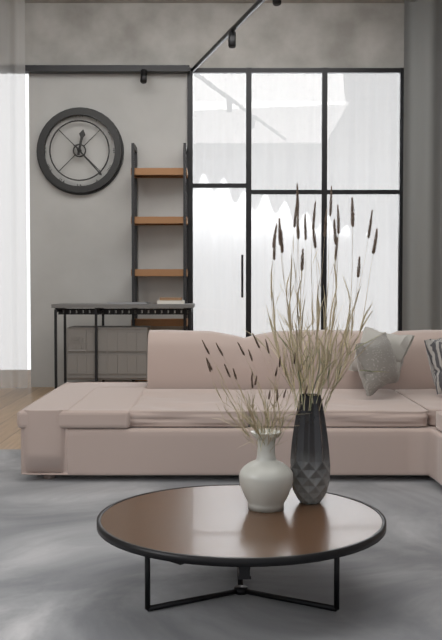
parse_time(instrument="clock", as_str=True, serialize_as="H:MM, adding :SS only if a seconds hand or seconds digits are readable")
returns 12:23
